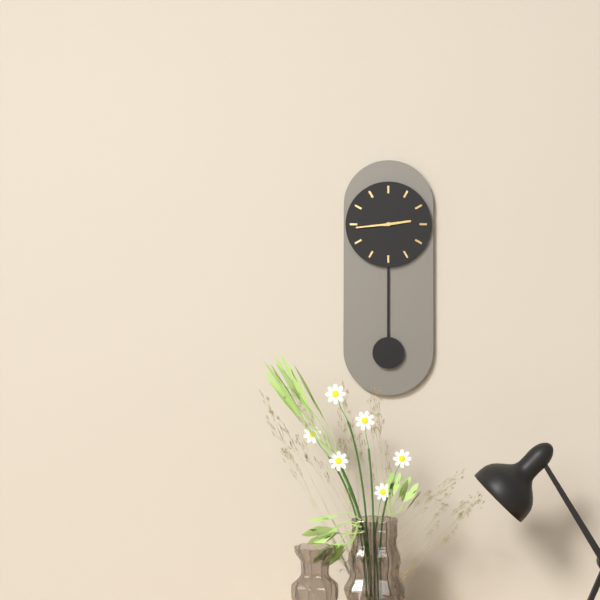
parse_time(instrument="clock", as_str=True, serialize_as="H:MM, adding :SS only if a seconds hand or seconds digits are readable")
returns 2:44
